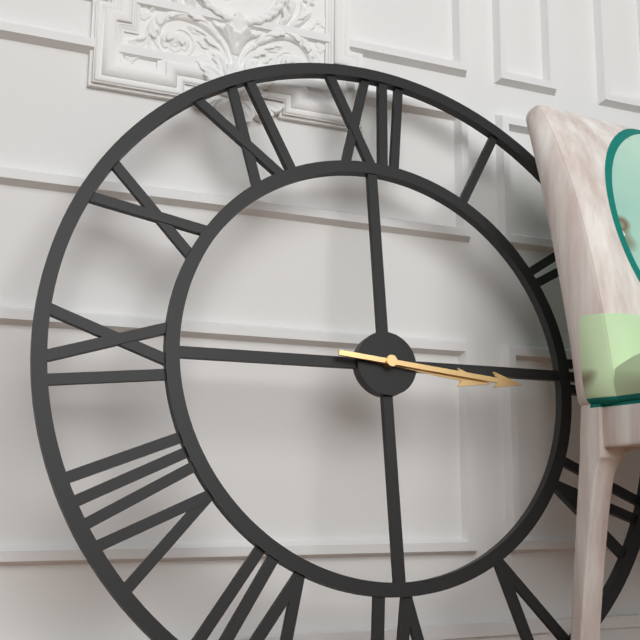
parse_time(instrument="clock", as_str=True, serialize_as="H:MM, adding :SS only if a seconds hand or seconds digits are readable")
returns 3:16
